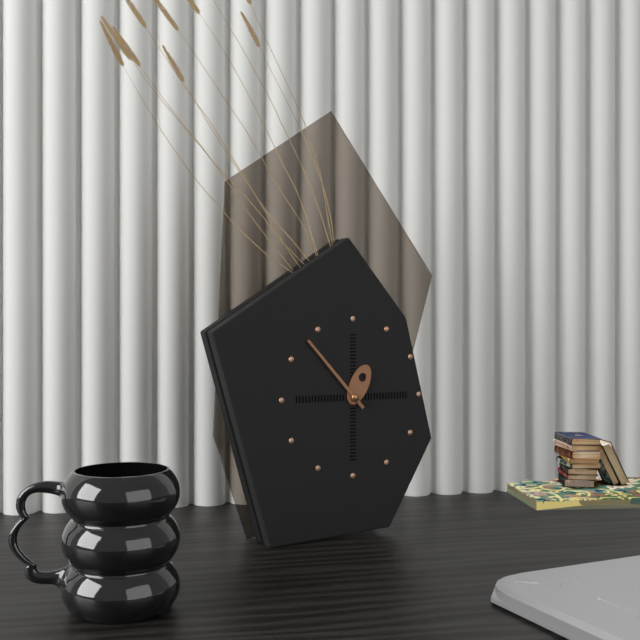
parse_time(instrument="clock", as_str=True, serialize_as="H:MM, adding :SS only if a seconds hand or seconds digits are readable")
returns 12:53
